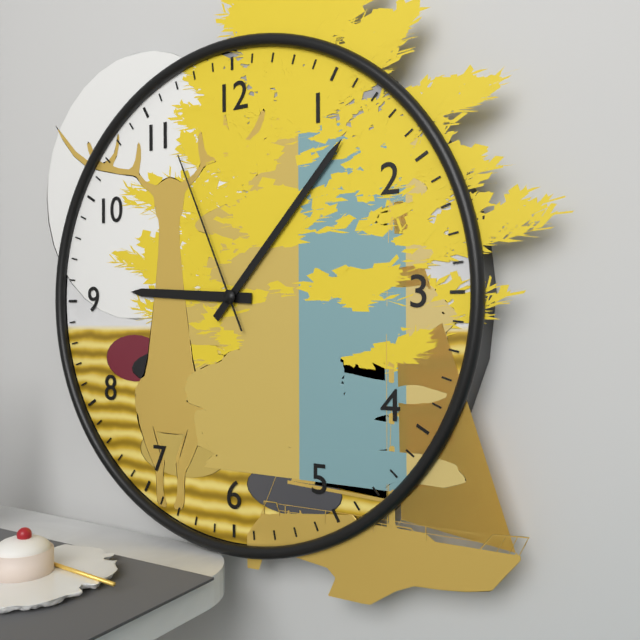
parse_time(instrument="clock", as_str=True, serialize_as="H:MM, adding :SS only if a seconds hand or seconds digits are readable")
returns 9:07:56
